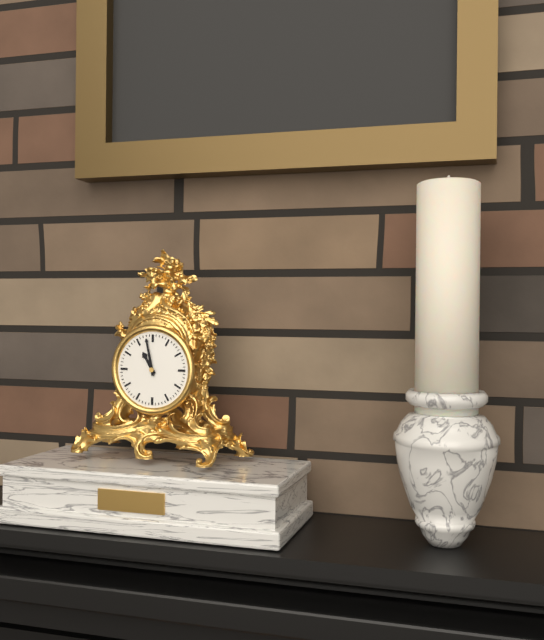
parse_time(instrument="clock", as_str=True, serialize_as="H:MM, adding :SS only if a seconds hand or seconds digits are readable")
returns 10:58
